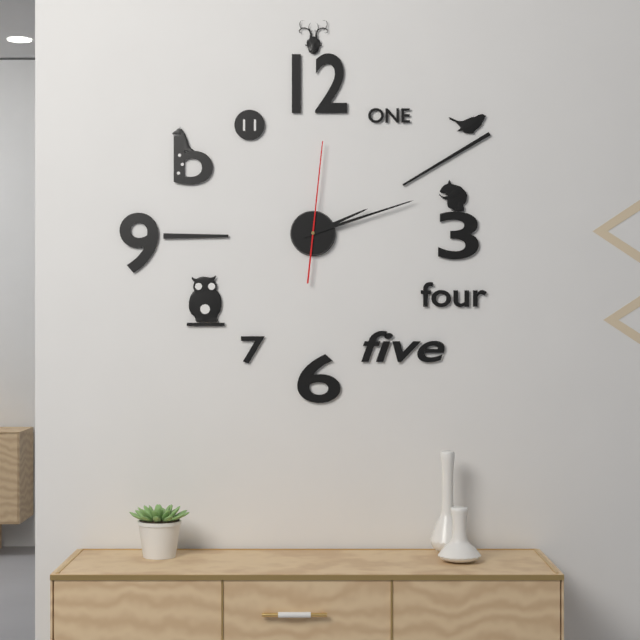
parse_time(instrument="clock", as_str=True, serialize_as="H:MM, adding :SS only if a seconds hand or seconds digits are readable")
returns 2:12:01
